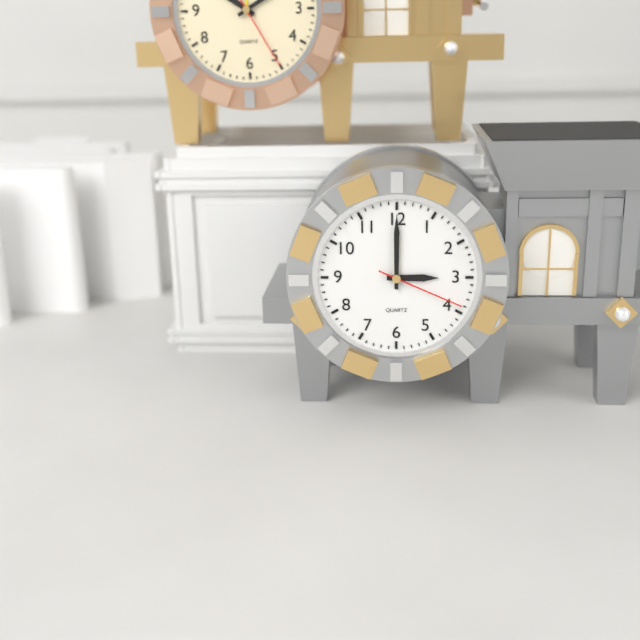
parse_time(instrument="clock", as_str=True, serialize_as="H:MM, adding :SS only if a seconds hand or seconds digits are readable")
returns 3:00:19
